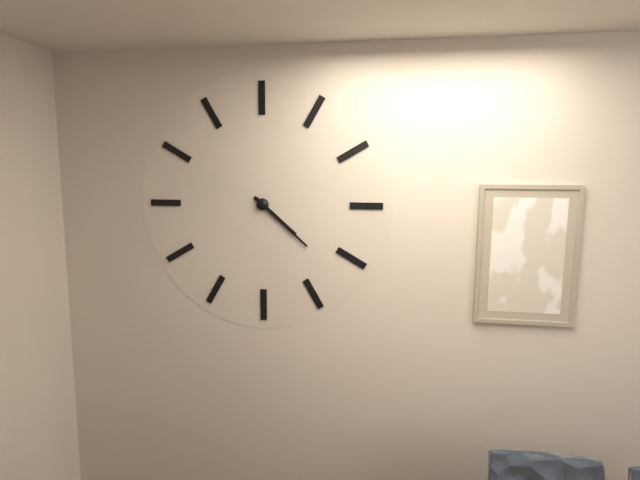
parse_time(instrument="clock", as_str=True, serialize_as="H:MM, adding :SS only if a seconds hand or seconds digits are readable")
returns 4:22
